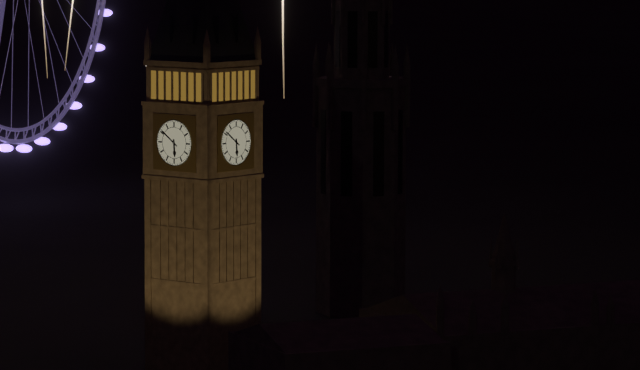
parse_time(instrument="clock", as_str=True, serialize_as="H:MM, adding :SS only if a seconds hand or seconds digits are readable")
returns 5:51
